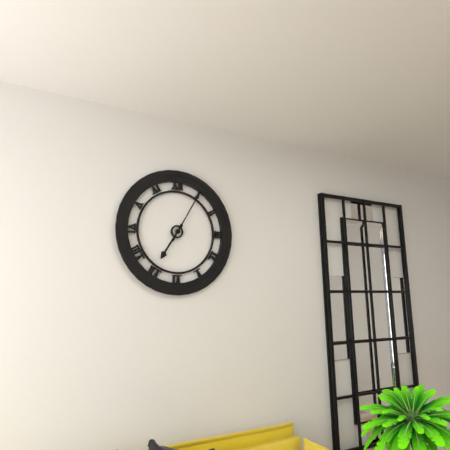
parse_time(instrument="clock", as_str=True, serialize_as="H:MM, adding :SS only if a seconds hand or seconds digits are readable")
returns 7:05
